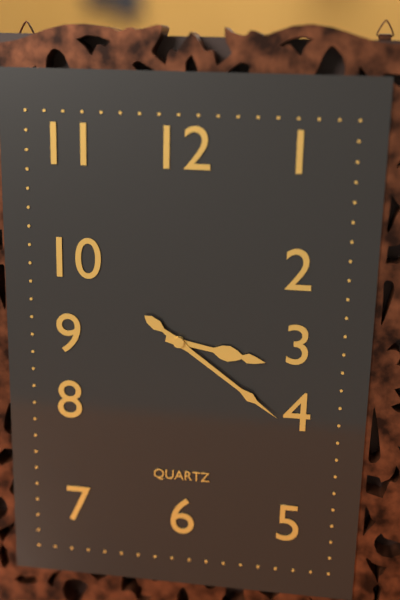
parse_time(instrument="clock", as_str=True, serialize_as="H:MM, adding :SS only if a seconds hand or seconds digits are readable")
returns 3:21
